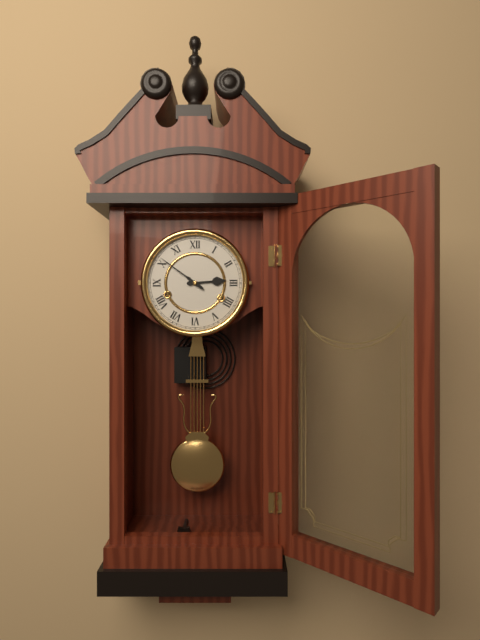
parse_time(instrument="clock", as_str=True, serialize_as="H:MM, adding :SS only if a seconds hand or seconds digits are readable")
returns 2:51
